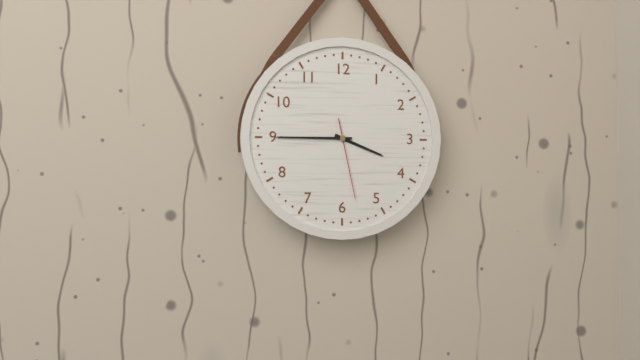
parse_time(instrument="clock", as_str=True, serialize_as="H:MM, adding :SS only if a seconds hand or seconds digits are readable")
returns 3:45:28
